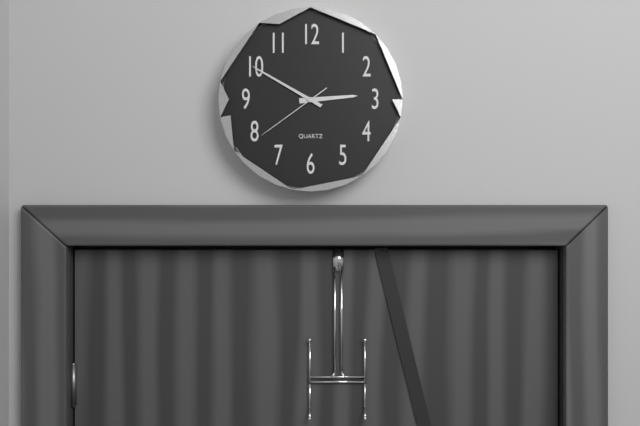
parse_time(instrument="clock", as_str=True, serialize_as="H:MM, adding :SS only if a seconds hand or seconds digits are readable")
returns 2:50:39
